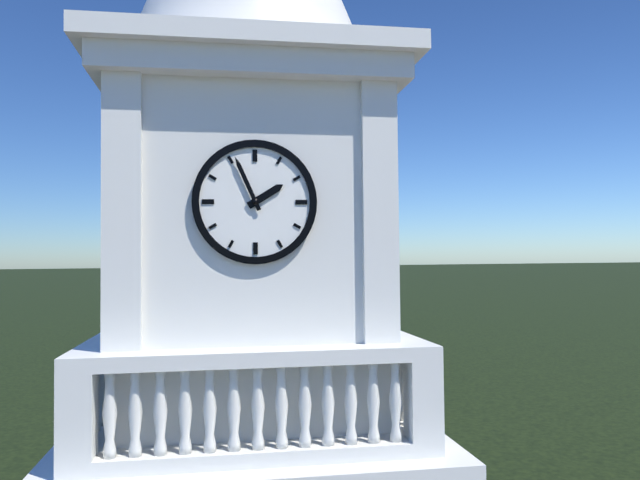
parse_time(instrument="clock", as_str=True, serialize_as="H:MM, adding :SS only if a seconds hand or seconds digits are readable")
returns 1:56
